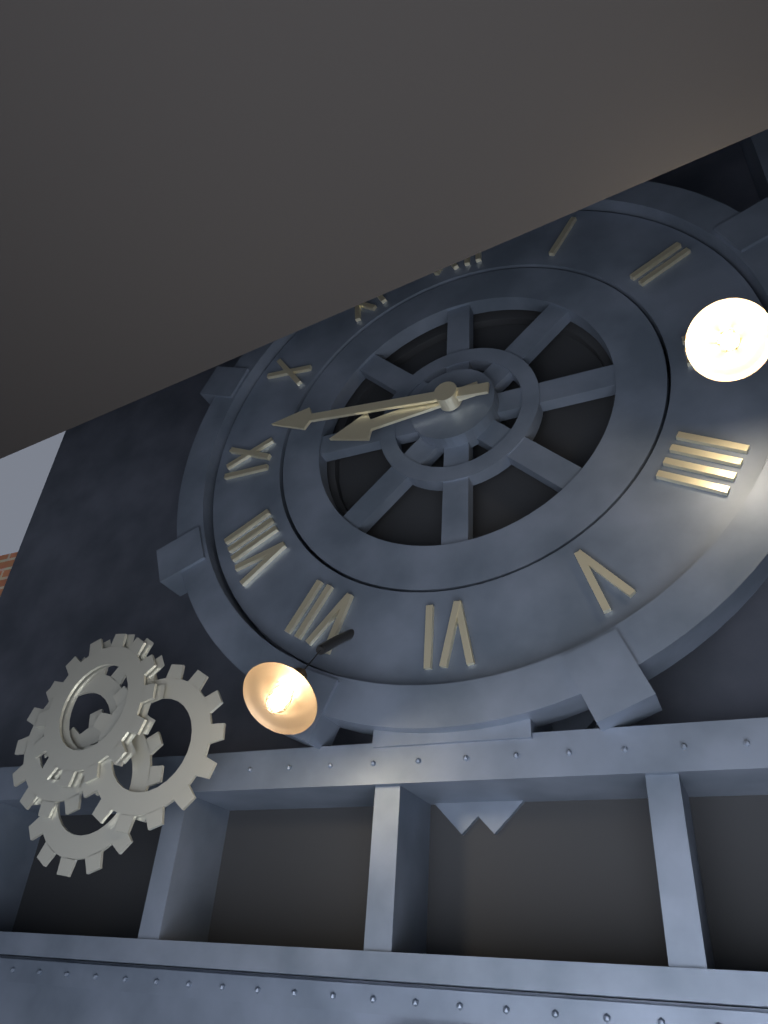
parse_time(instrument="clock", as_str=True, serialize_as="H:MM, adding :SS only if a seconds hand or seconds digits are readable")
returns 8:46
